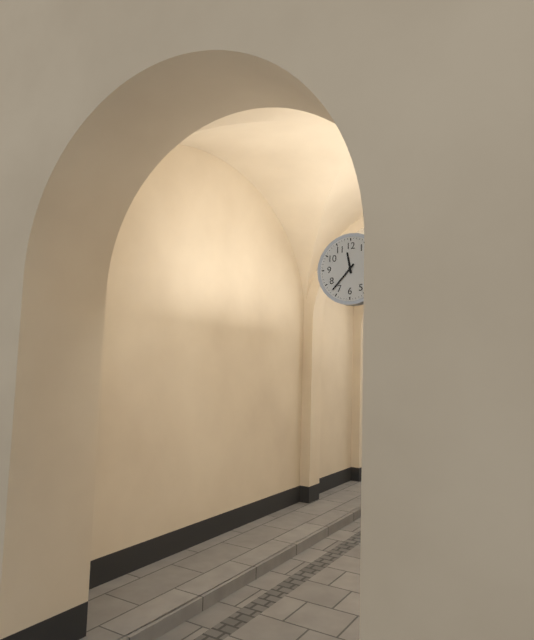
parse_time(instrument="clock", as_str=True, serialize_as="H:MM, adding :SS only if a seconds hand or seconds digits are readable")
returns 11:37
